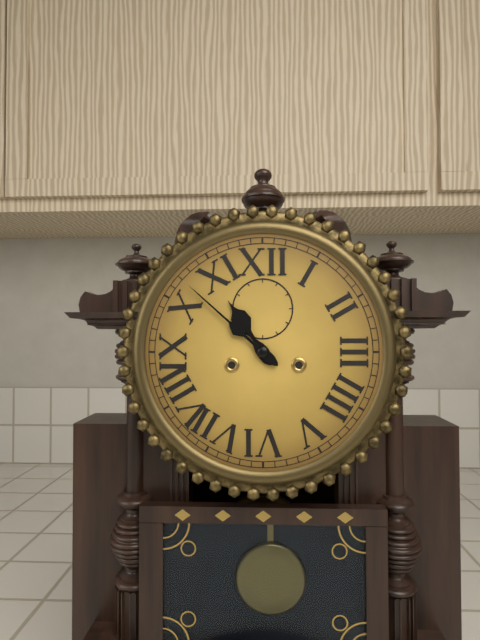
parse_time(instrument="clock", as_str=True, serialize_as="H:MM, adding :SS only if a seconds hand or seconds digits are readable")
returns 10:52
